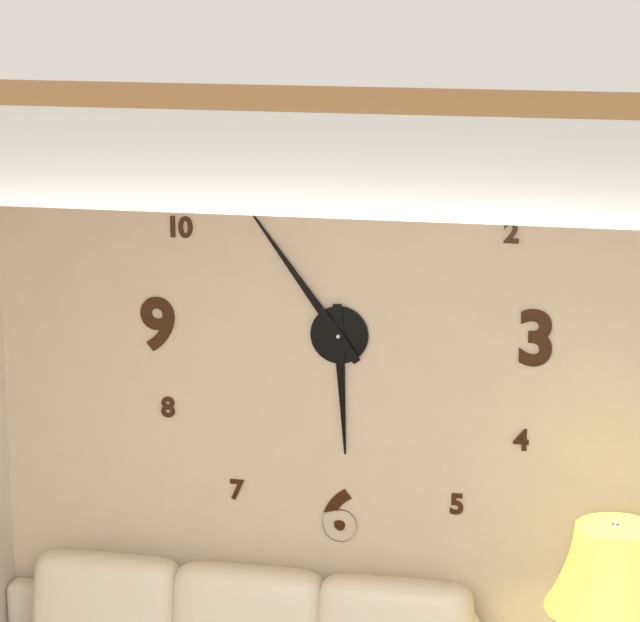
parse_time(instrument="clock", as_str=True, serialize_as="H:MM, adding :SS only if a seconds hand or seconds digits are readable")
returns 5:54
